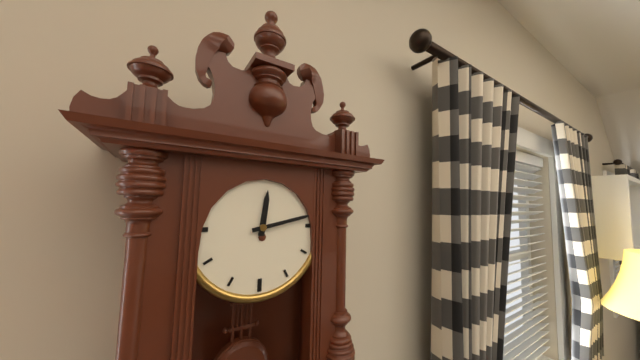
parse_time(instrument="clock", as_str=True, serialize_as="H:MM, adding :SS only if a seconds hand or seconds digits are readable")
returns 12:13
